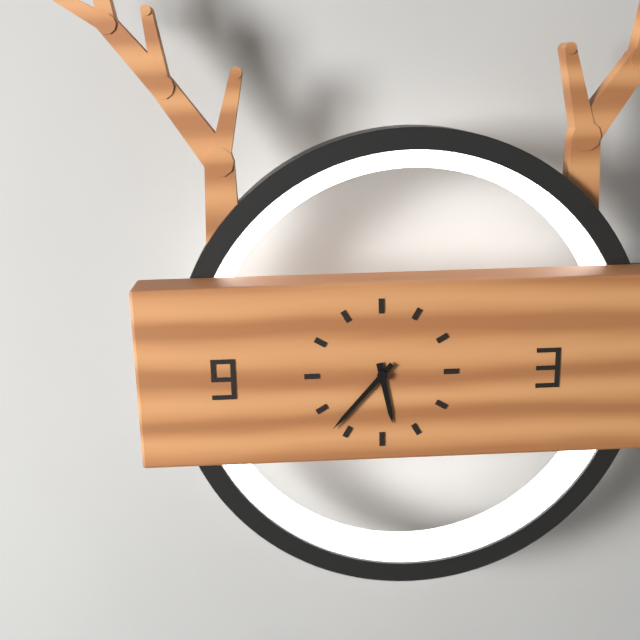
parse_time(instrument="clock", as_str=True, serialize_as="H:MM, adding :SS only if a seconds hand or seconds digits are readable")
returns 5:37
